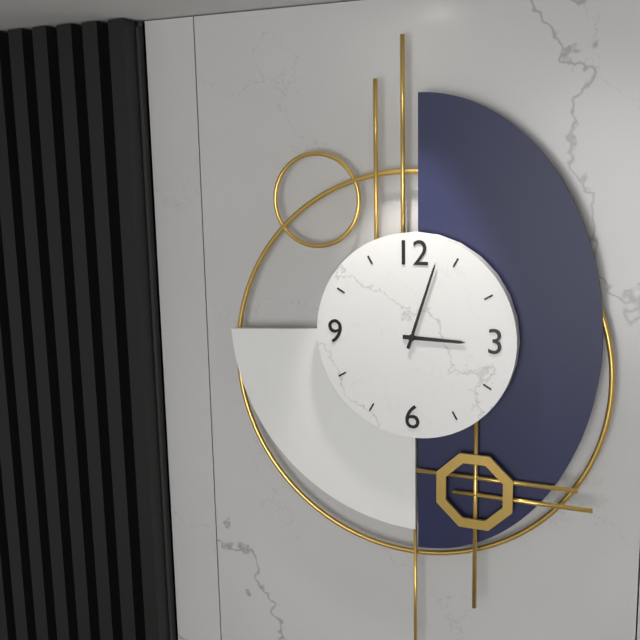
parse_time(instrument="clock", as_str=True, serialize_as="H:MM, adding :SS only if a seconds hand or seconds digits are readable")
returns 3:03
